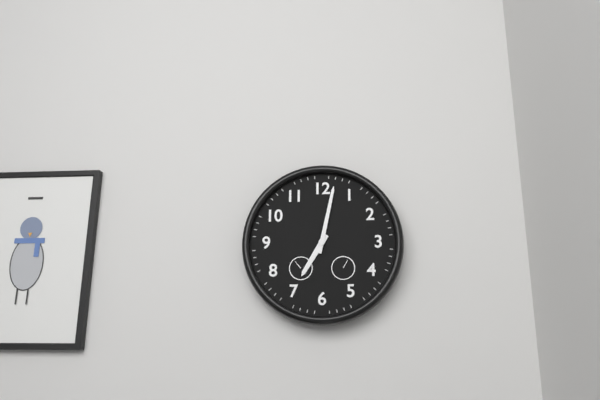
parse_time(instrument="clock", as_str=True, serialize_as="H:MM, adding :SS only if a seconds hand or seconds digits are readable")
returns 7:02
